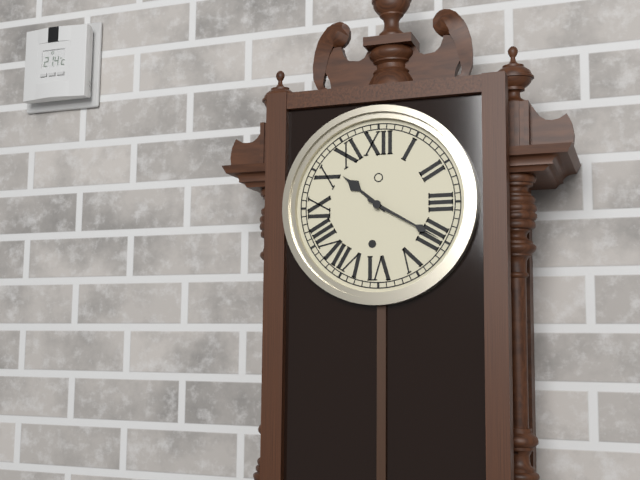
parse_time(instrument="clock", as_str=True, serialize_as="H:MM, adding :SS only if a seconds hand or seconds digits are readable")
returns 10:20
